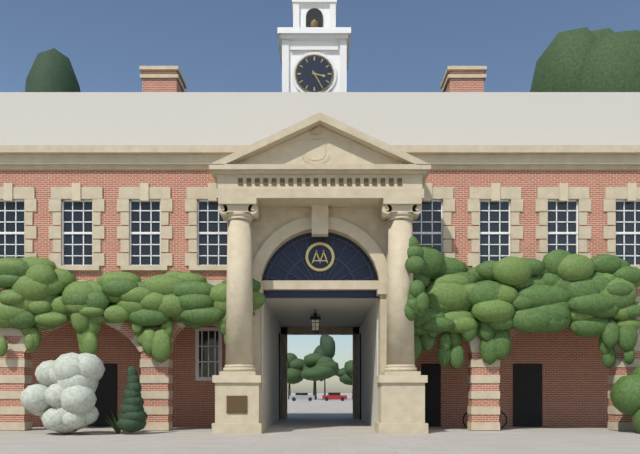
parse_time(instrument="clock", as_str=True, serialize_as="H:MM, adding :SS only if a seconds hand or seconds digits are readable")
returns 3:25
